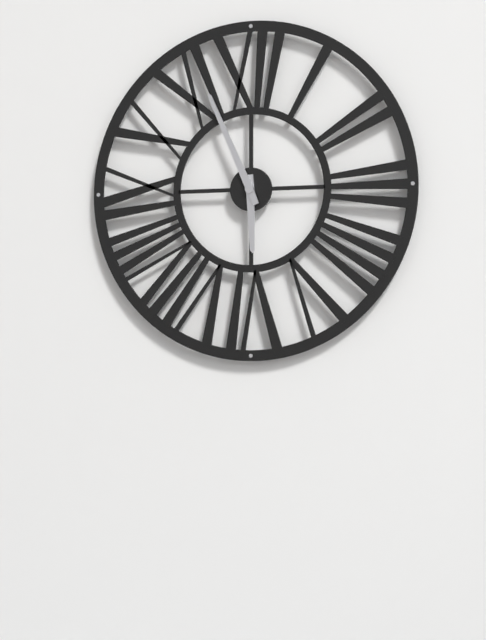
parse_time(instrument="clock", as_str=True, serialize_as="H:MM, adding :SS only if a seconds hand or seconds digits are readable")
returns 5:56
